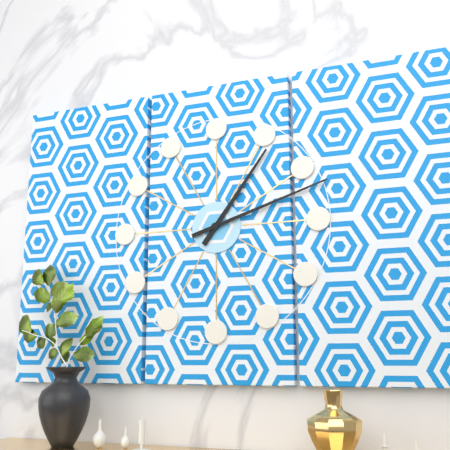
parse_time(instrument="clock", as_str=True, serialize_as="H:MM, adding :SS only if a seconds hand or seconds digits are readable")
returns 1:12
